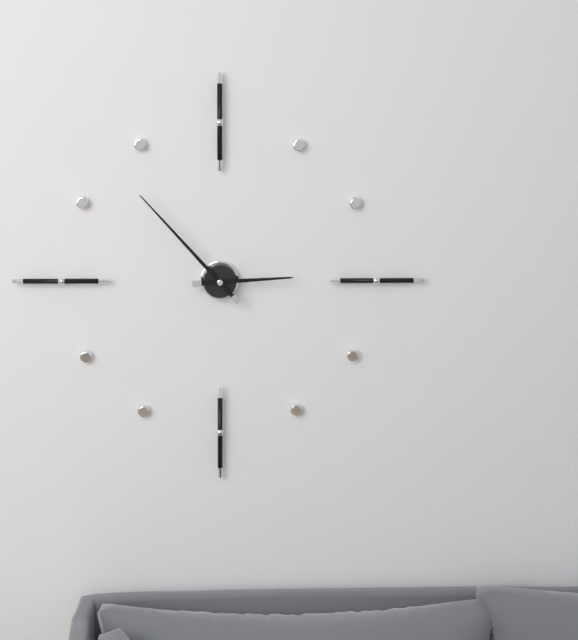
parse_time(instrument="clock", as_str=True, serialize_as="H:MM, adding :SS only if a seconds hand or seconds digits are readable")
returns 2:53
